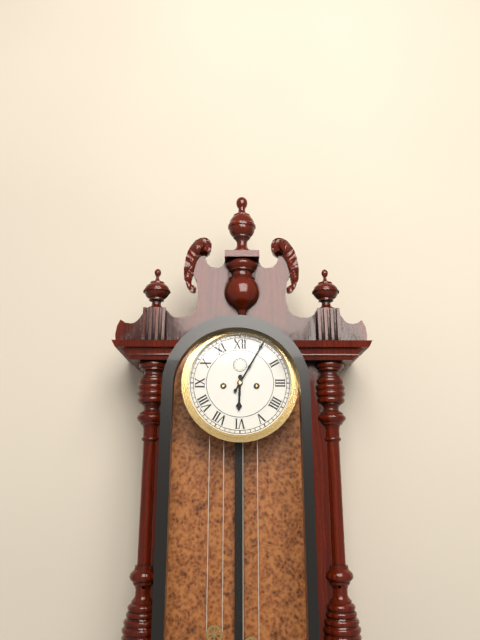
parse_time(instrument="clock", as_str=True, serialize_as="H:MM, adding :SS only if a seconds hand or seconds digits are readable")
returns 6:05
